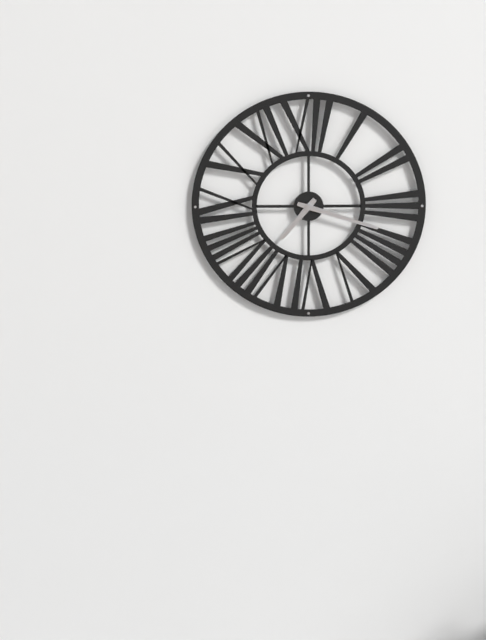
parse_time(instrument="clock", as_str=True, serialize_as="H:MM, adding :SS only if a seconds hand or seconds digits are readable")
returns 7:18
